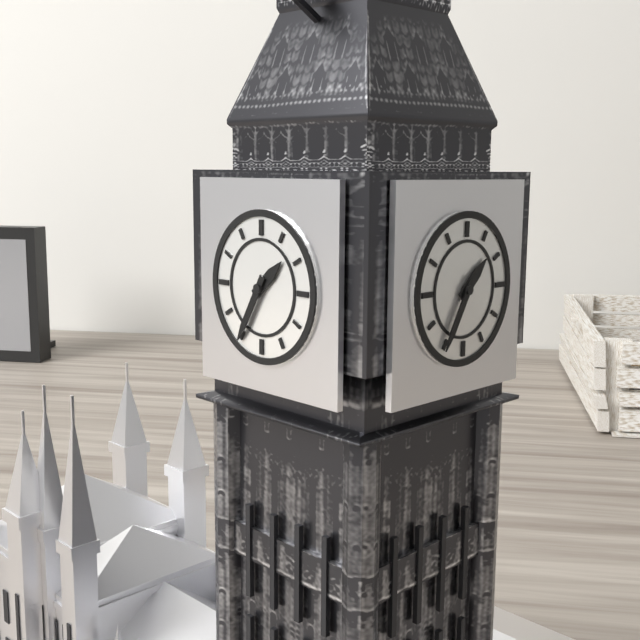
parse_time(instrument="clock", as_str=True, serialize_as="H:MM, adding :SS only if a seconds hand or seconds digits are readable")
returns 1:35
